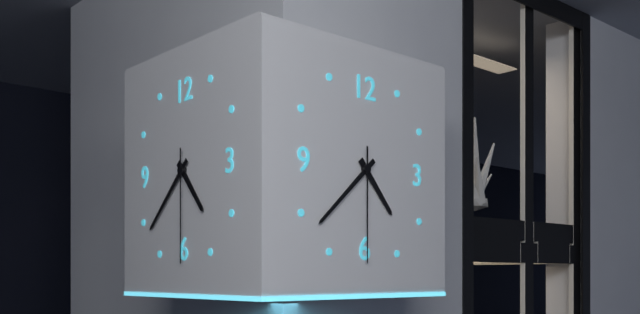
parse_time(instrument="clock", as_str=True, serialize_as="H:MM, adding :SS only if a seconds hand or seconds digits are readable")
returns 4:38:30
